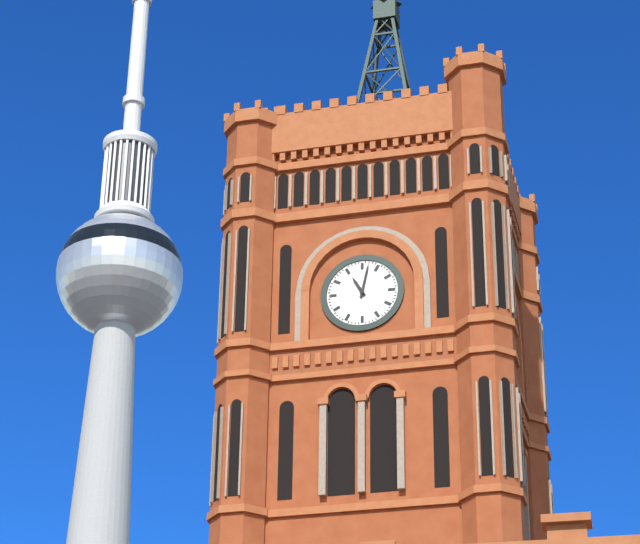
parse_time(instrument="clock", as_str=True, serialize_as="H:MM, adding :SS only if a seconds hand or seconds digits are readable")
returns 11:02
